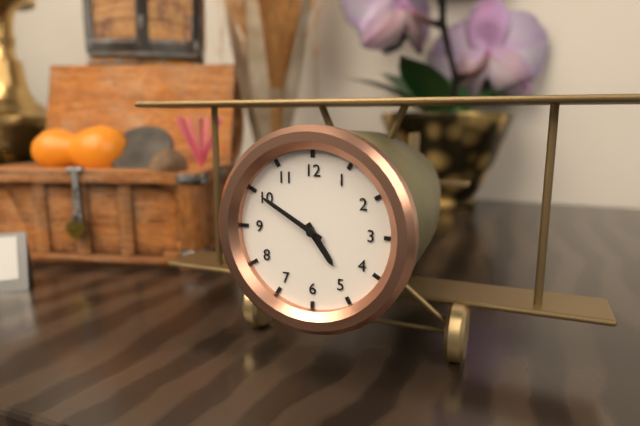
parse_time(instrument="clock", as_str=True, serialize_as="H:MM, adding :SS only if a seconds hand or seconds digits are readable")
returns 4:50
